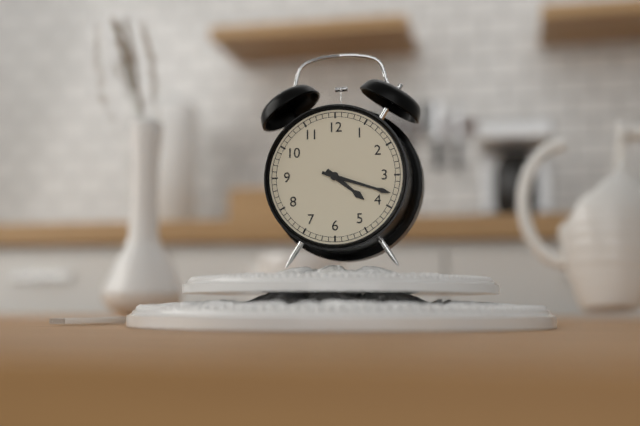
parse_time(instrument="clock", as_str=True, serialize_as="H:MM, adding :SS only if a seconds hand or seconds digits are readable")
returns 4:18
